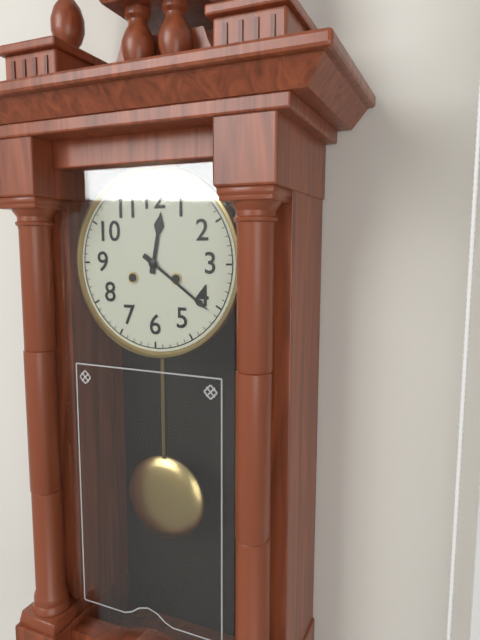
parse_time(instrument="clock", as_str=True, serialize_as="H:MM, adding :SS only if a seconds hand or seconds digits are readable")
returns 12:21
